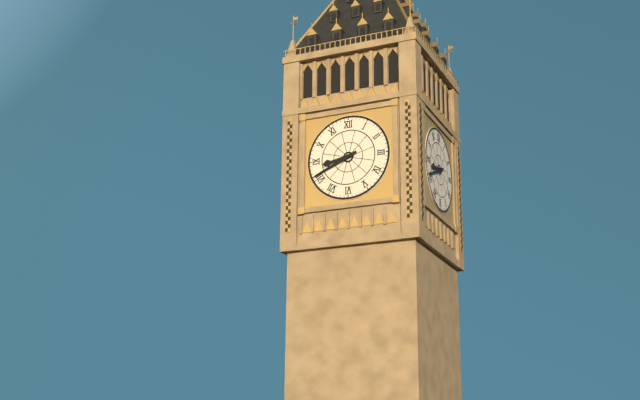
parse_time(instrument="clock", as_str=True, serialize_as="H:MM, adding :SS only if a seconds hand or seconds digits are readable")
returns 8:41
